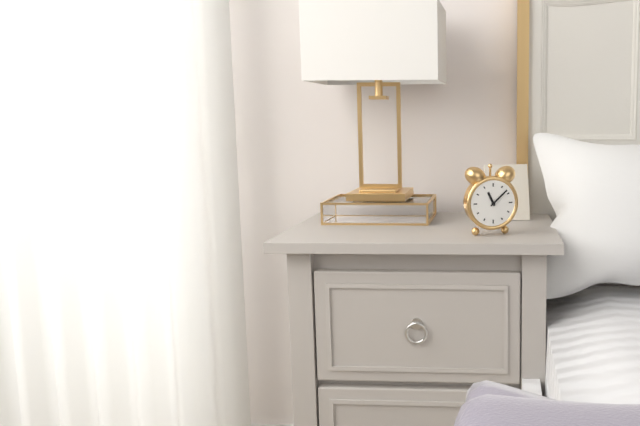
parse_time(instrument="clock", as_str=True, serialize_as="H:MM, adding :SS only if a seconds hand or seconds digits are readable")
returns 11:08
